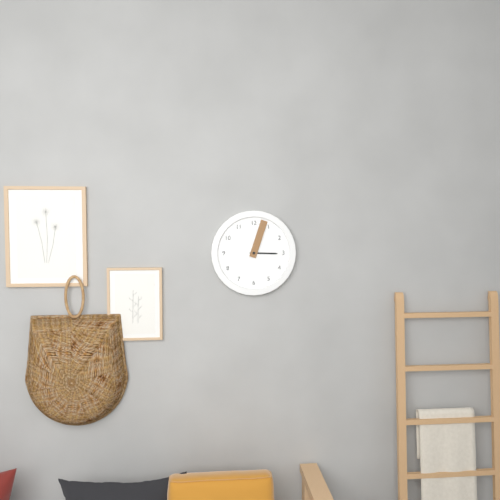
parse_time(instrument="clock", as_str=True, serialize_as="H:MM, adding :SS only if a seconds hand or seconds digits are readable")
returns 3:03
